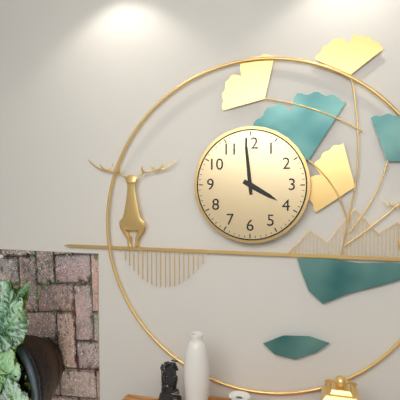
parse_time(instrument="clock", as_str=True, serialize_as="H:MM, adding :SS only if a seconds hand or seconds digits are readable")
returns 3:59
